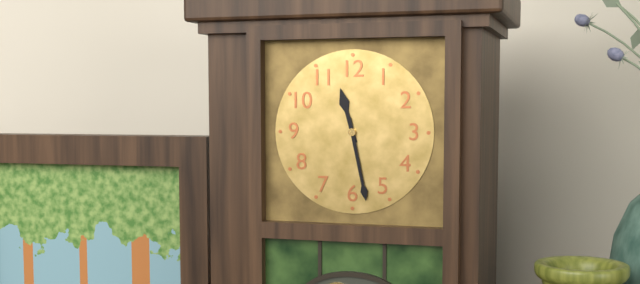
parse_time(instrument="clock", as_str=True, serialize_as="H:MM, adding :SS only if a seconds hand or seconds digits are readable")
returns 11:28
